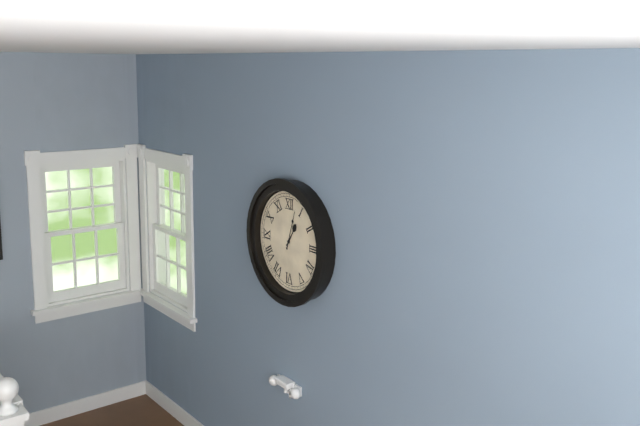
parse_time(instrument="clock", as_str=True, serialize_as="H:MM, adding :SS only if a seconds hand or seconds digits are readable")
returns 1:03
